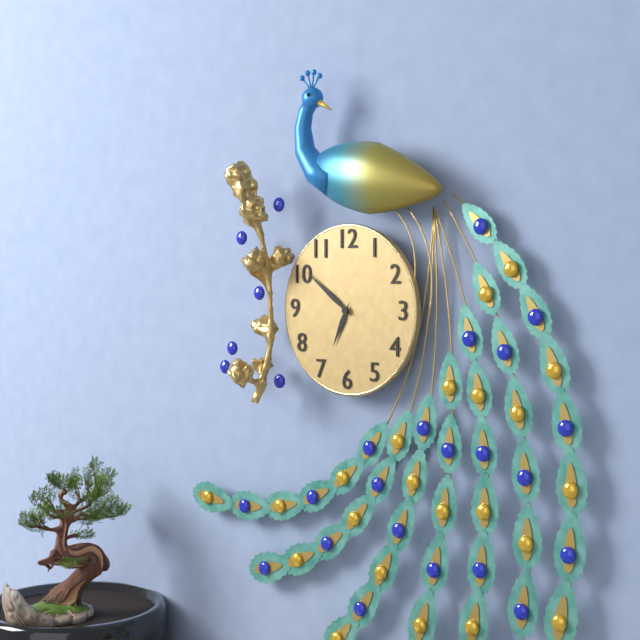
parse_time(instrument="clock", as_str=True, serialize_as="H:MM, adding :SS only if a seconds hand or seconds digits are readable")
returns 6:51
